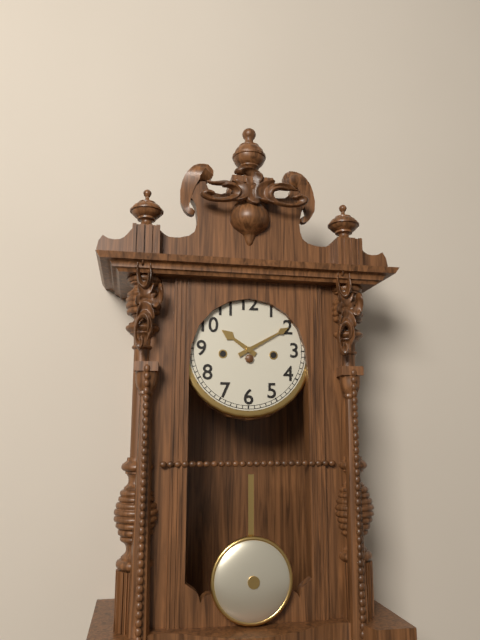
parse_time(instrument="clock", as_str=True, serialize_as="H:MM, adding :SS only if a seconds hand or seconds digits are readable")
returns 10:10
